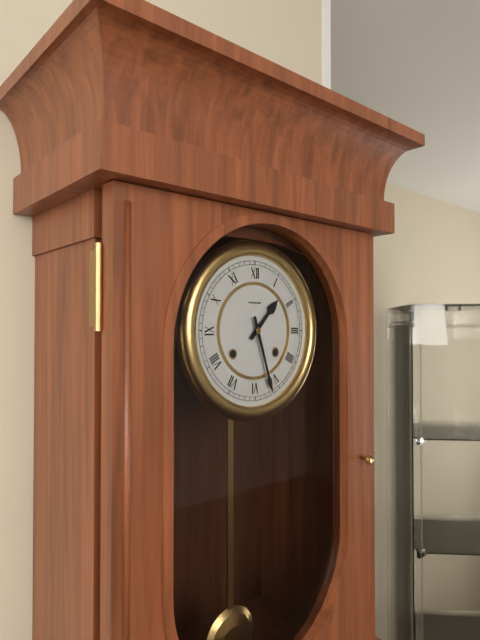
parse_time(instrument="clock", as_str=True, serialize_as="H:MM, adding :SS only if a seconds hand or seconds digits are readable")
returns 1:27
